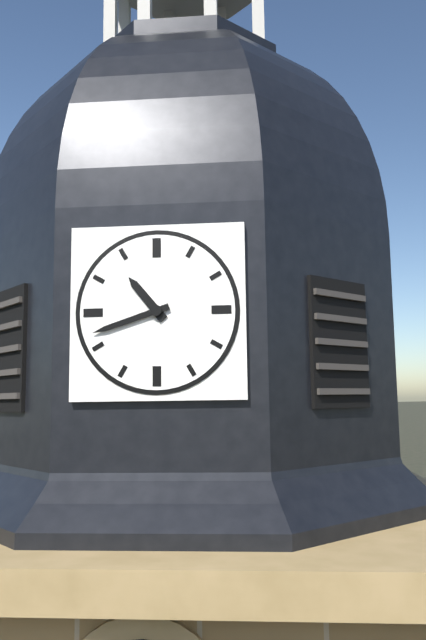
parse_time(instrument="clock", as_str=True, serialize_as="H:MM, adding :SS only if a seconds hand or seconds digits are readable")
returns 10:42
